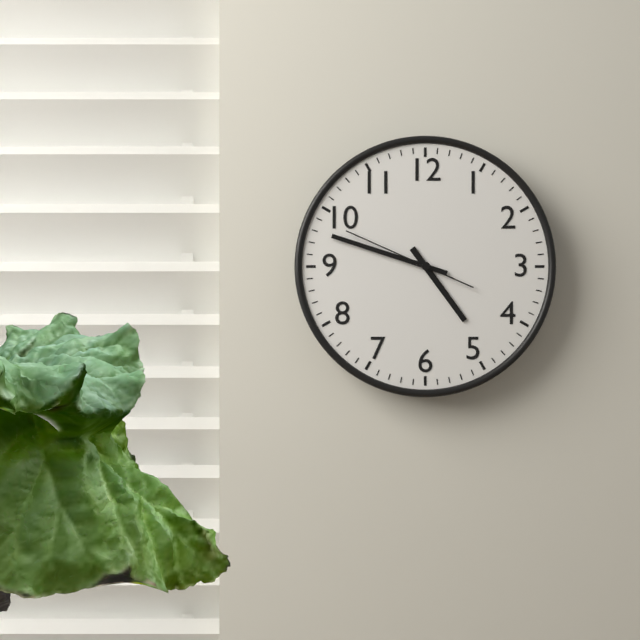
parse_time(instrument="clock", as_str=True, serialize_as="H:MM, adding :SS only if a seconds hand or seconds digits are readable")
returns 4:48:49
